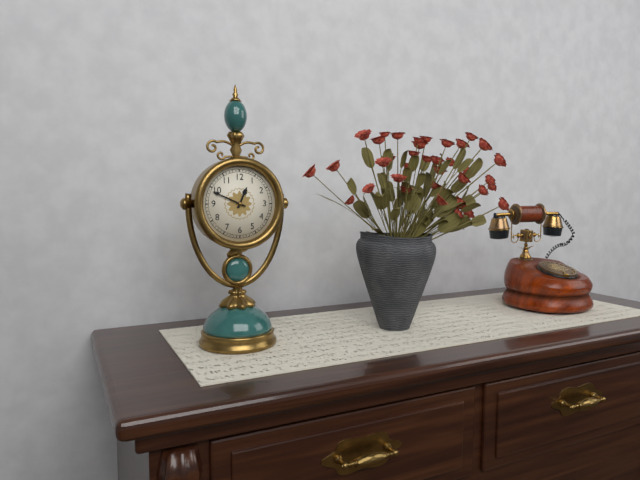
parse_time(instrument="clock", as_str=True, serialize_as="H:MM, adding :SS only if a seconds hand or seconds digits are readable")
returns 12:49
